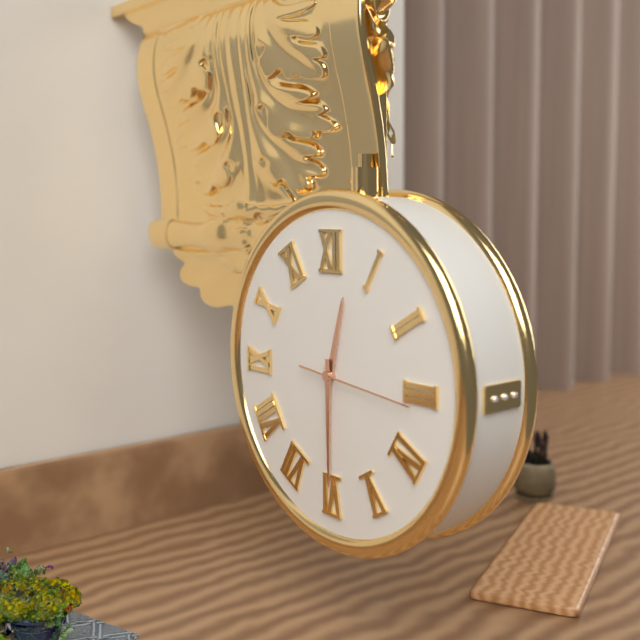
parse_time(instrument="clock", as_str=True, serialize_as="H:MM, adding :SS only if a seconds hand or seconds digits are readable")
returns 12:30:16
